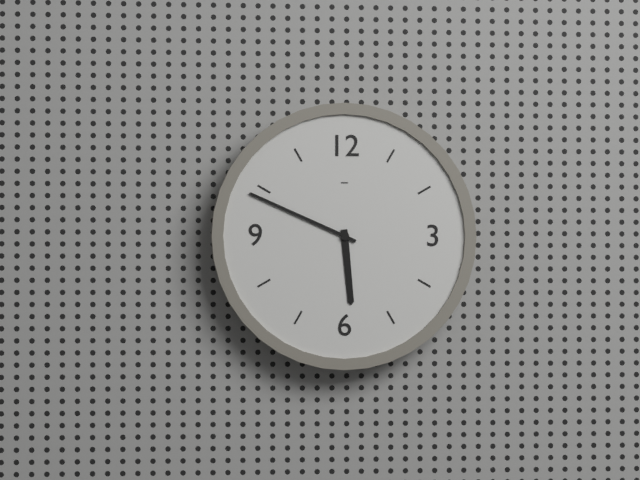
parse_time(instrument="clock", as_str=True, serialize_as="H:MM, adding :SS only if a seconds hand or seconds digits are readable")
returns 5:49
